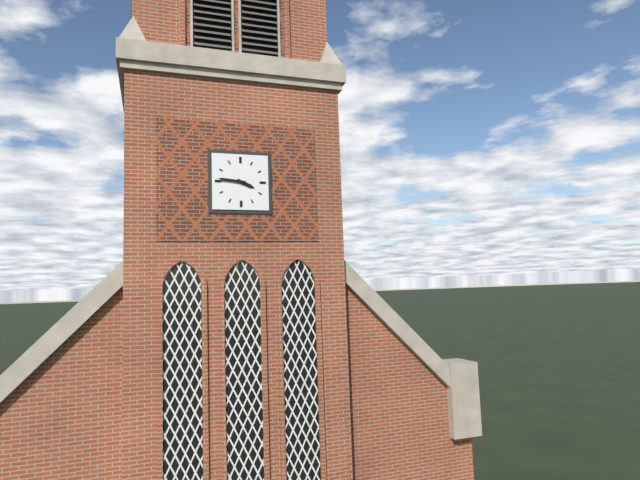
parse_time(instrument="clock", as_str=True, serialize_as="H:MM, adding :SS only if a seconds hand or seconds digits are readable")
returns 3:46
